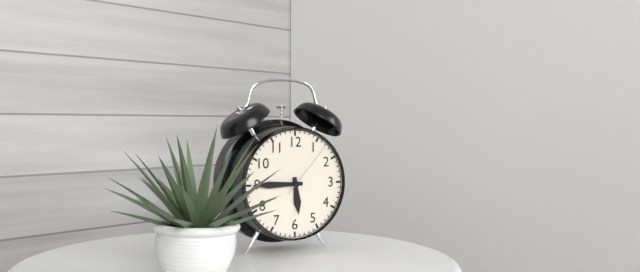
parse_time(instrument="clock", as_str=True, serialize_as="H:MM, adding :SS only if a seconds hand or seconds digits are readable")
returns 5:45:07
